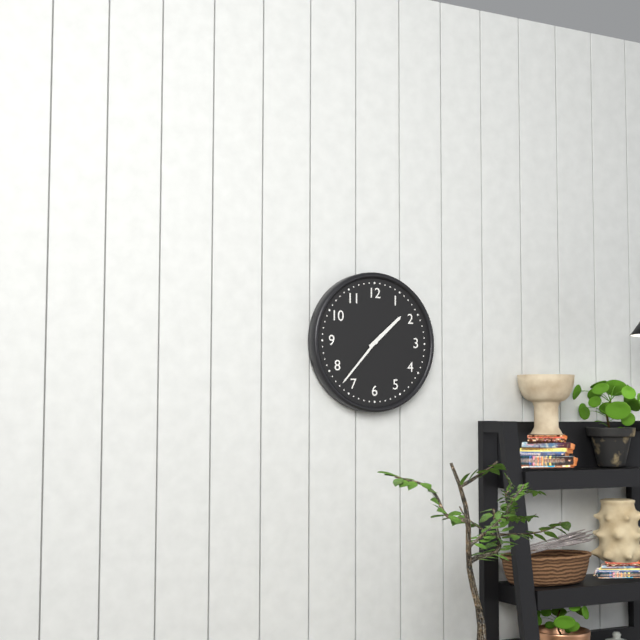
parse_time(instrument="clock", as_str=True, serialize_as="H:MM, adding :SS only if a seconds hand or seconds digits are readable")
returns 1:37
